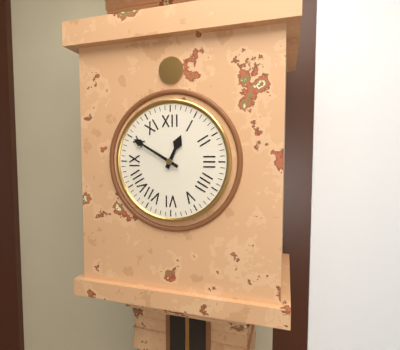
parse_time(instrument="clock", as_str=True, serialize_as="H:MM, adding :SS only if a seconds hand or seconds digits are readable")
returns 12:50
